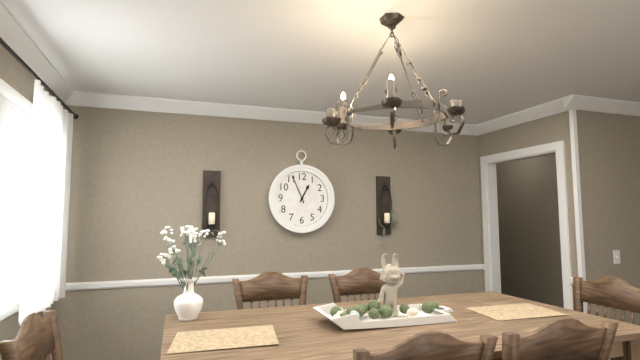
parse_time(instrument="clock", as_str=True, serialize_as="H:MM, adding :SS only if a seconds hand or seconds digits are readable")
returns 12:56
